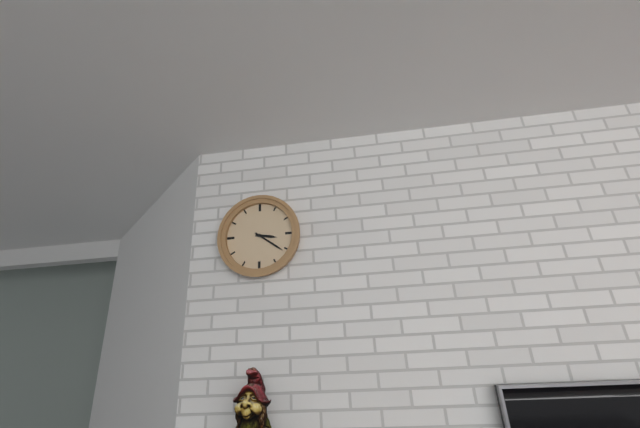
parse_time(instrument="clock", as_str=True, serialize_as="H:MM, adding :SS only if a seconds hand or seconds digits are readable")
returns 3:21
